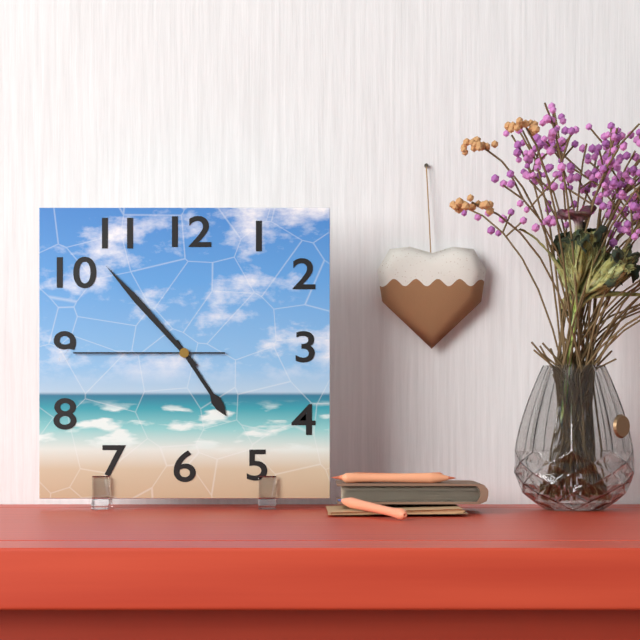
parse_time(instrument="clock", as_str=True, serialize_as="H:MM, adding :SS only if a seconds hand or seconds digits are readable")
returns 4:53:45
